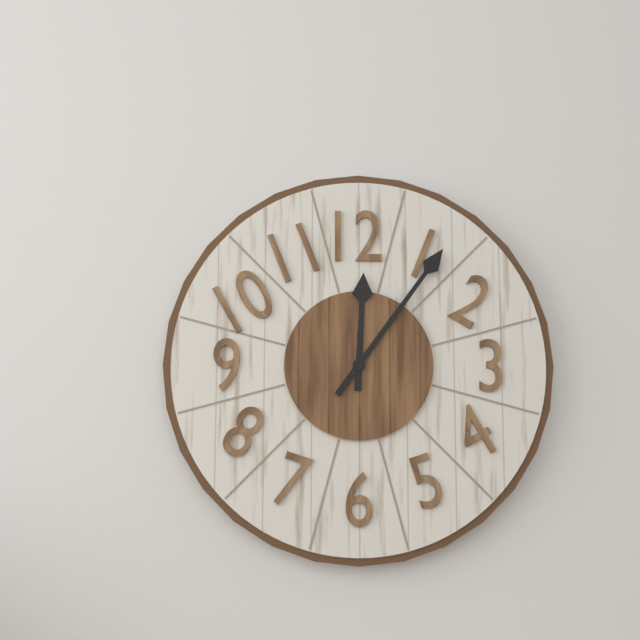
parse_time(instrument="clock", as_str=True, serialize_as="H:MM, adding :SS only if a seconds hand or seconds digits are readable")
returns 12:06
